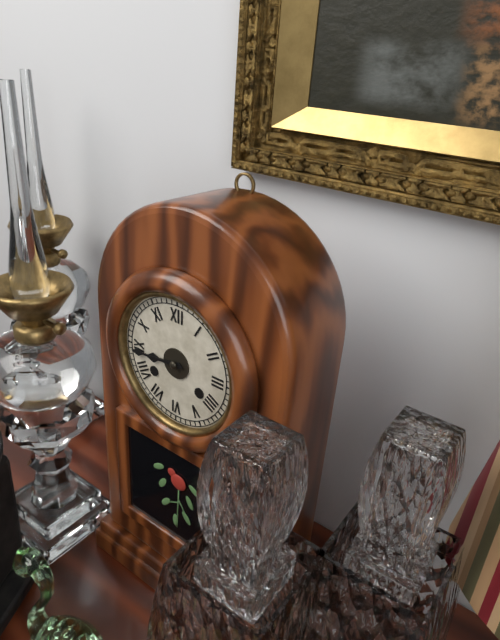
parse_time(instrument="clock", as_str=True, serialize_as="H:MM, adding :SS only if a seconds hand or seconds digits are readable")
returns 8:44
